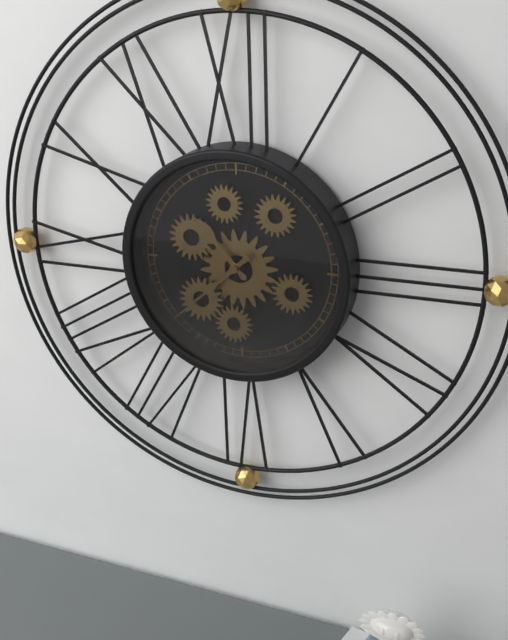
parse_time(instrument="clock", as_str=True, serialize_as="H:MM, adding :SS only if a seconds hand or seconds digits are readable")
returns 10:38
